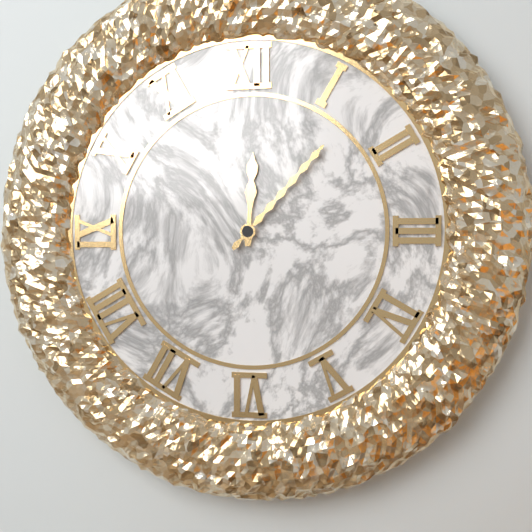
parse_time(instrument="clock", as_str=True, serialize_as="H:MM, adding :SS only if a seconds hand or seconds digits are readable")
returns 12:07
